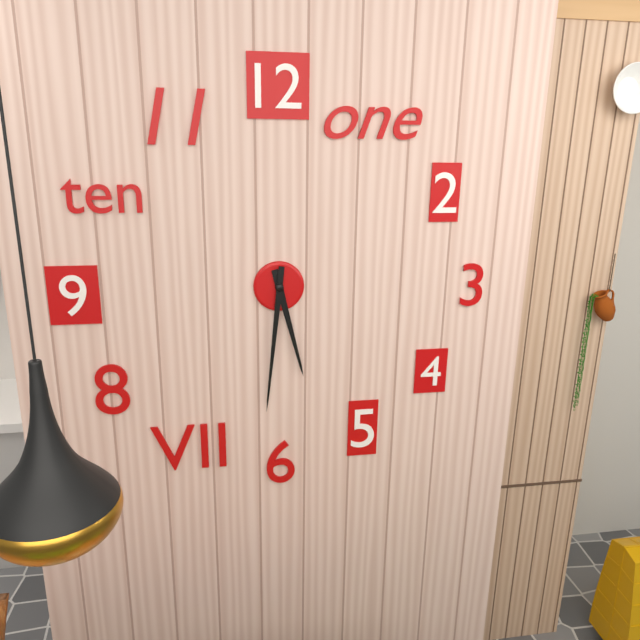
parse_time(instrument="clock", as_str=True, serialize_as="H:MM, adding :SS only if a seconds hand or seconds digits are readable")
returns 5:31
